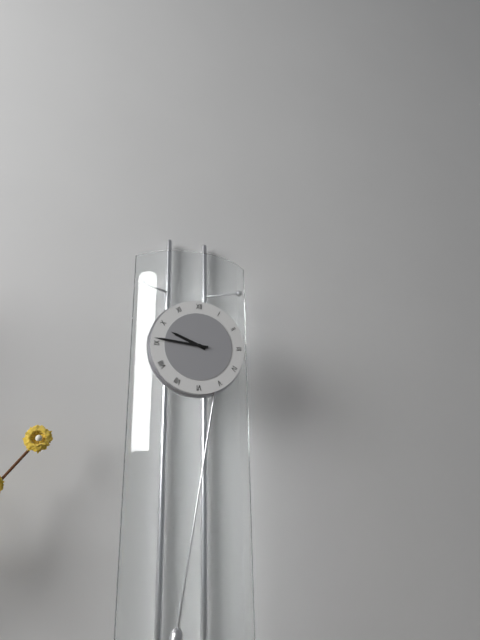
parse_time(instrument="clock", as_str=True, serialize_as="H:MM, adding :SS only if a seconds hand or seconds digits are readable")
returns 9:46
